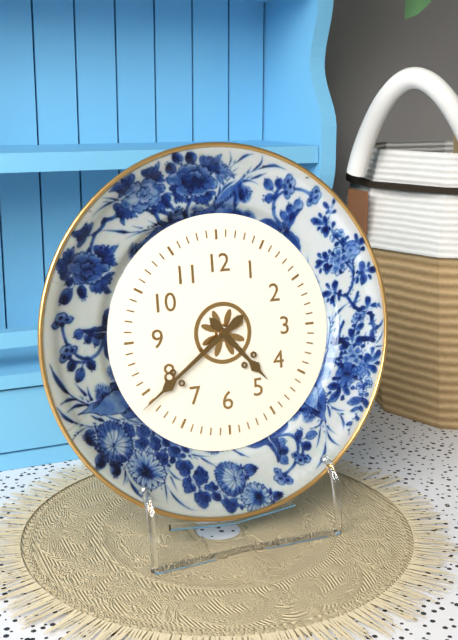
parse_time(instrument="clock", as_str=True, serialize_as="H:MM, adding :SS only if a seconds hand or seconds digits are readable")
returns 4:39
